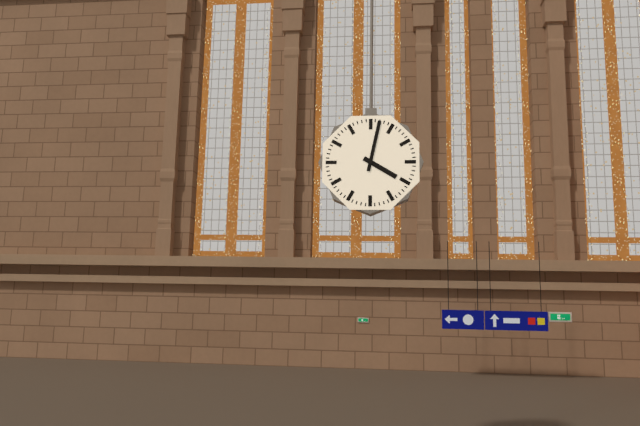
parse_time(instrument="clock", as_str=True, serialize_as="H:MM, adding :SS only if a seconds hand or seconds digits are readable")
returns 4:02
